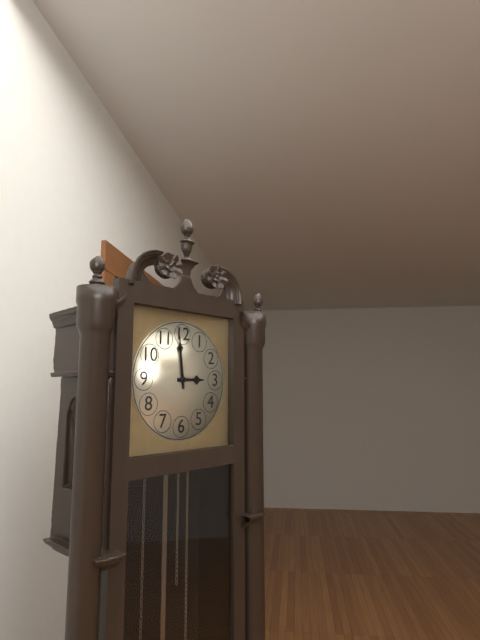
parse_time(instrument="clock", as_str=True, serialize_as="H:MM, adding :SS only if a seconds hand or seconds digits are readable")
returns 2:59
